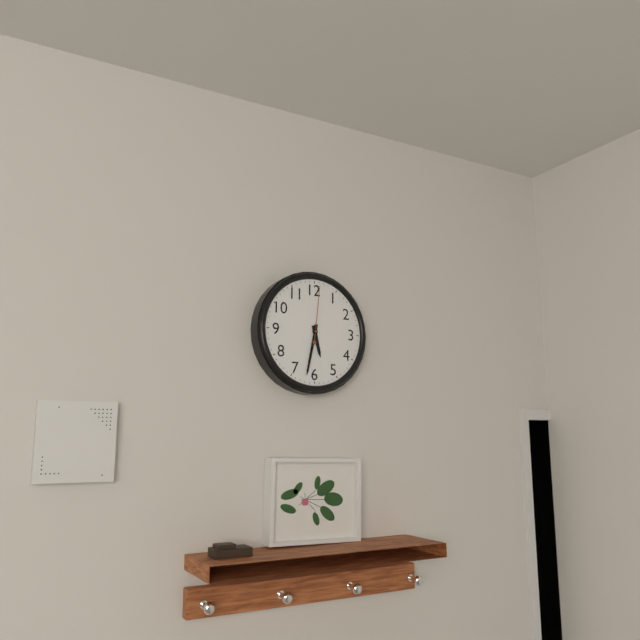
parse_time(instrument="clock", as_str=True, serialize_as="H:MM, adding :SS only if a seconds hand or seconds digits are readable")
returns 5:32:01
